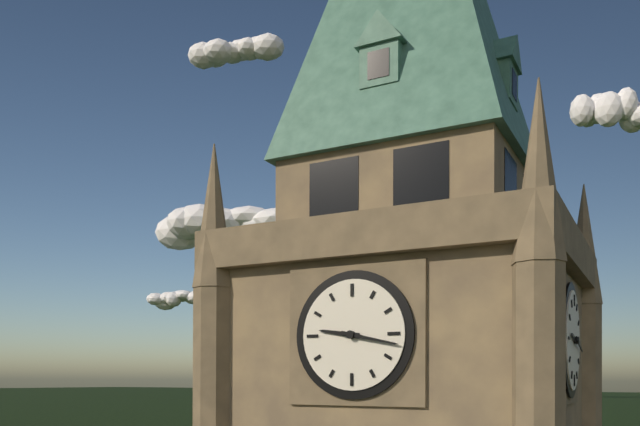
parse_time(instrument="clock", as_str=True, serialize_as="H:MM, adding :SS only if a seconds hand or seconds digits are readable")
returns 9:17
